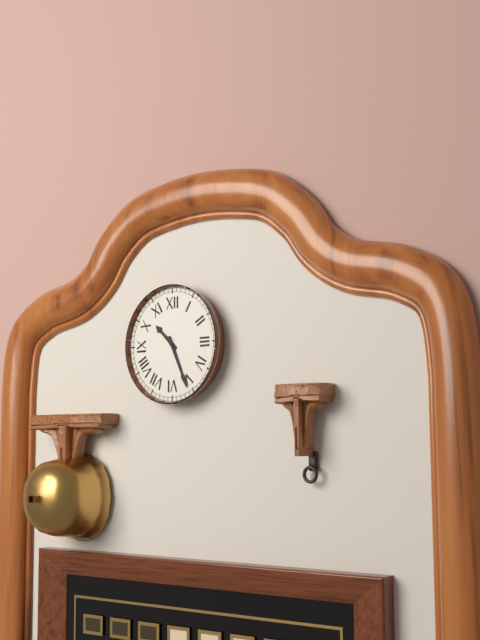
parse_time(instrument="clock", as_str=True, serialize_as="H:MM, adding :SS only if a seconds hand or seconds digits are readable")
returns 10:26
